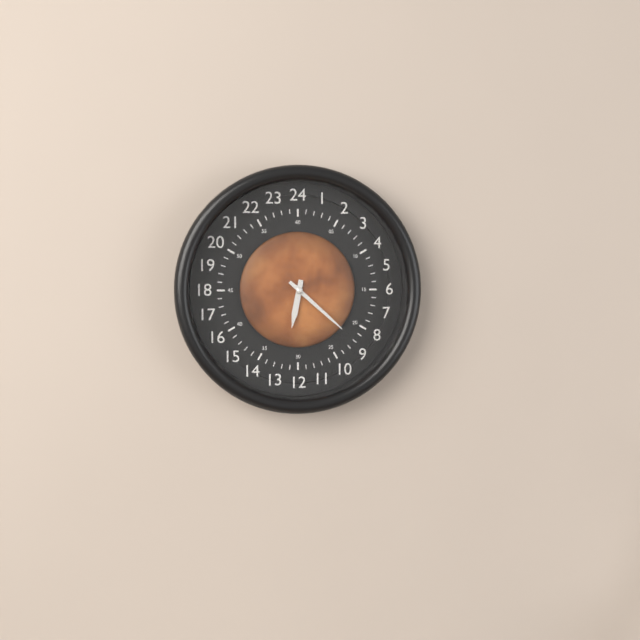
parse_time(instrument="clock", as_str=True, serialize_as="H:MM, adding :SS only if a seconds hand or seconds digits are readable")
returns 6:22
